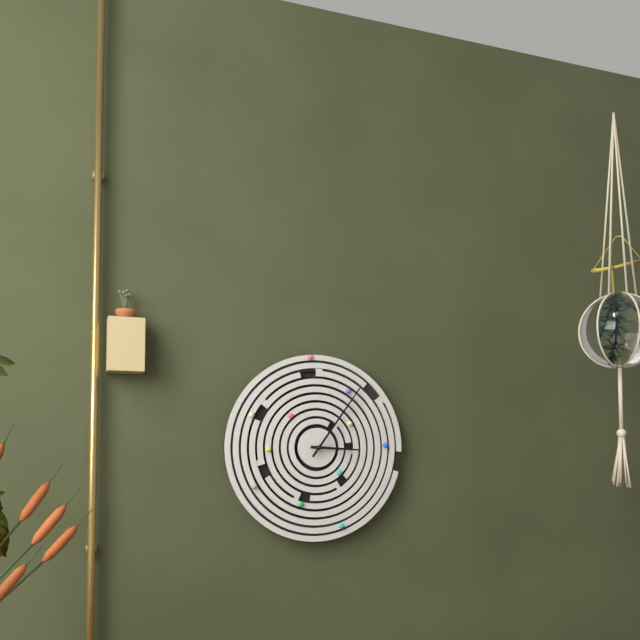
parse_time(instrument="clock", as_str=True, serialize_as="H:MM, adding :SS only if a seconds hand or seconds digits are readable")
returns 3:06
